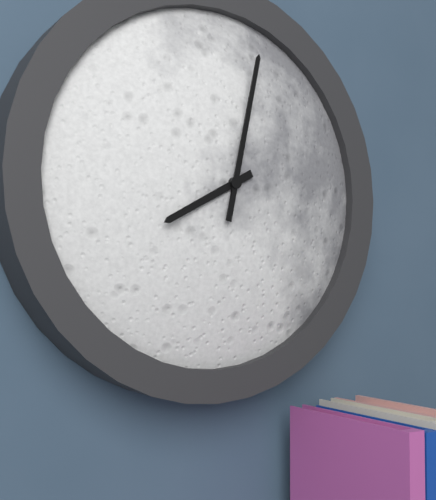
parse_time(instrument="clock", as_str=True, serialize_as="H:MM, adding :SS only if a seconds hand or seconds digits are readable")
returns 8:02
